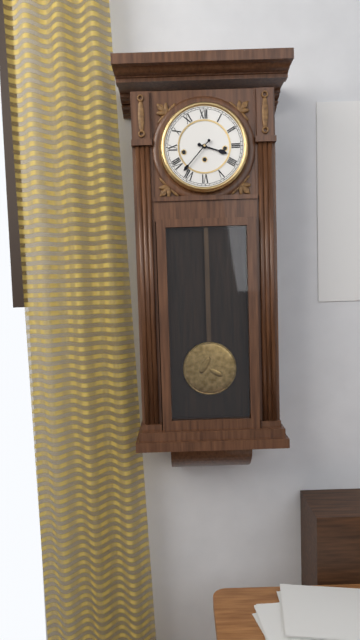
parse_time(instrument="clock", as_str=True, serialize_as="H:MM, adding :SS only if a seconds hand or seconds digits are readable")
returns 3:37
